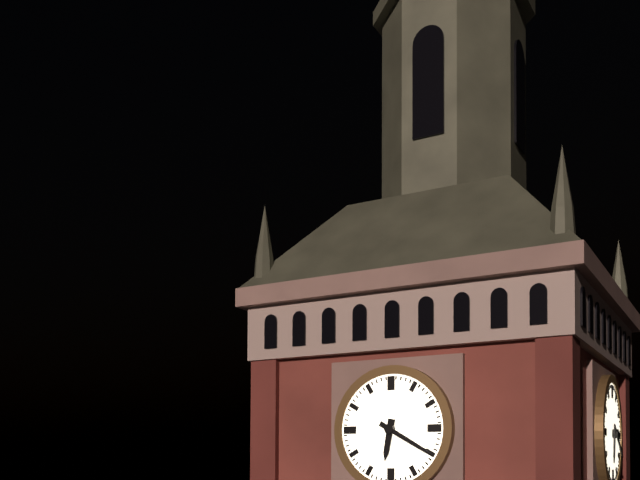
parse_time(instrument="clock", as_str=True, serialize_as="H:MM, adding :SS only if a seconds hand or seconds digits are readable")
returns 6:20
